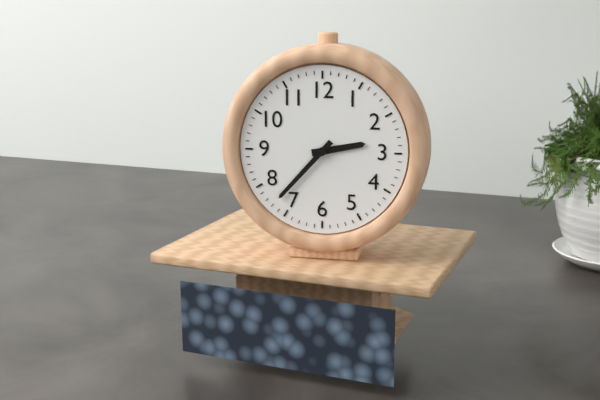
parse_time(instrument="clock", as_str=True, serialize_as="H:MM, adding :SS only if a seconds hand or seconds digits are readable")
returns 2:37
